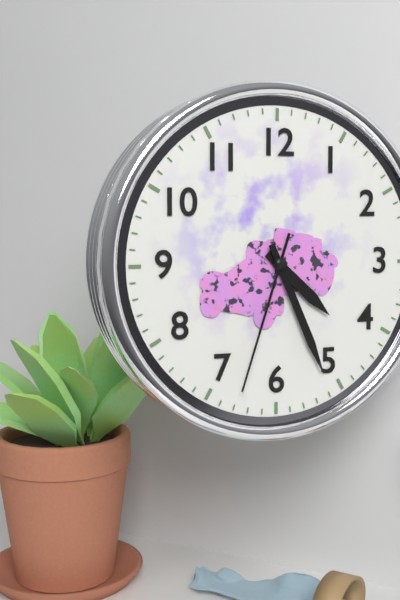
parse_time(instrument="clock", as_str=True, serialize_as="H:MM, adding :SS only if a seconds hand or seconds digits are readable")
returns 4:26:33
